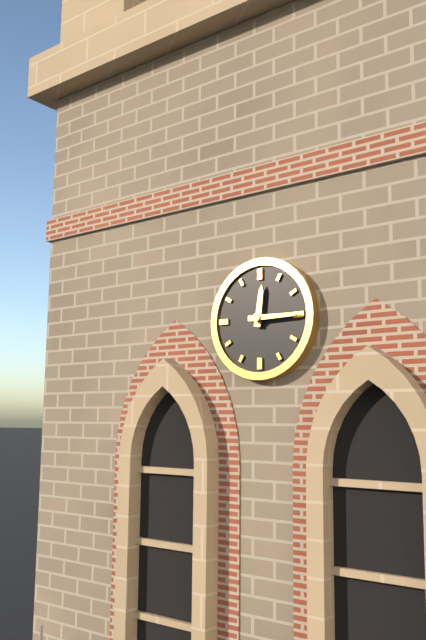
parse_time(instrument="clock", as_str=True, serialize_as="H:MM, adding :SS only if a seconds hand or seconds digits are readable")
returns 12:15
